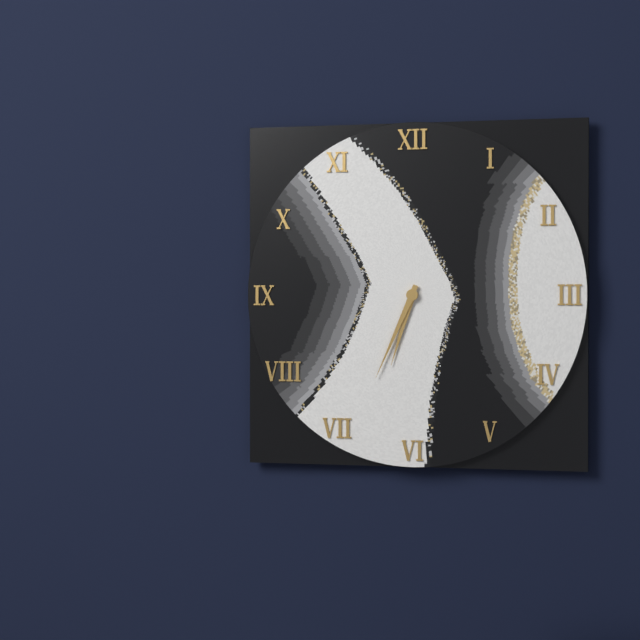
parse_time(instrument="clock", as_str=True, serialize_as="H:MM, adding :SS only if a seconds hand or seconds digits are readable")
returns 6:34
